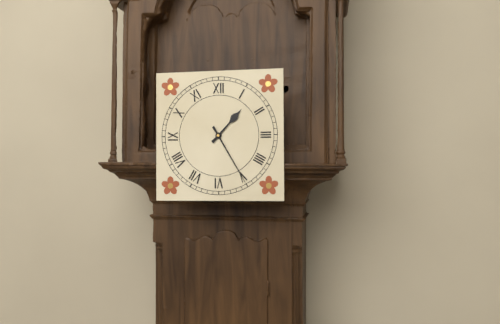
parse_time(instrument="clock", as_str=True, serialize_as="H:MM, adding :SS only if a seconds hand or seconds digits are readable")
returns 1:25
